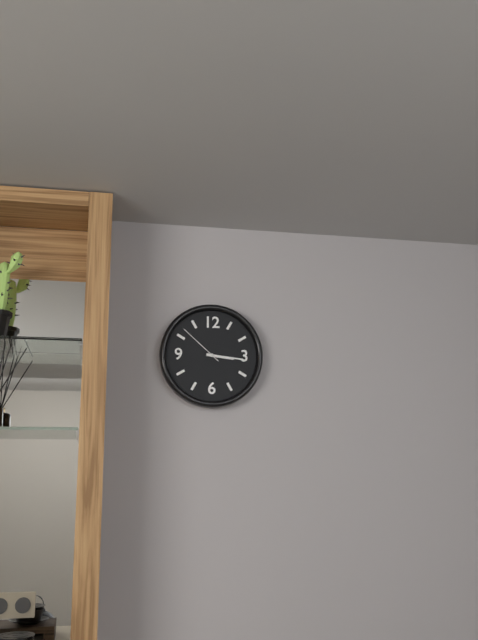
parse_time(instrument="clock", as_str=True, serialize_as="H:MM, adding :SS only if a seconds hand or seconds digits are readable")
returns 3:16
